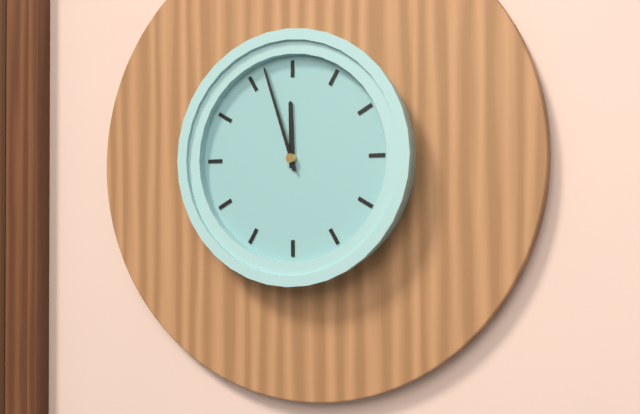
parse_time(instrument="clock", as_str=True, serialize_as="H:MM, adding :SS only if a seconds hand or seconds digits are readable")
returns 11:57
